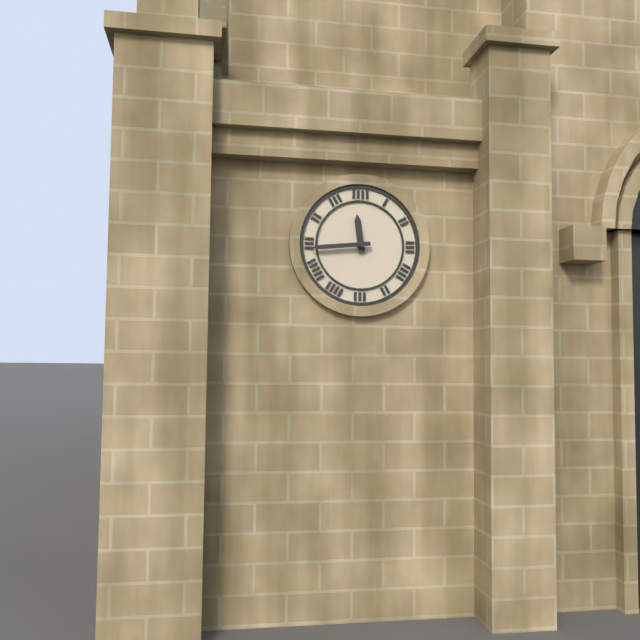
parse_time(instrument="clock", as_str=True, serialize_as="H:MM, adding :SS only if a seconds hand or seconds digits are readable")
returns 11:44
